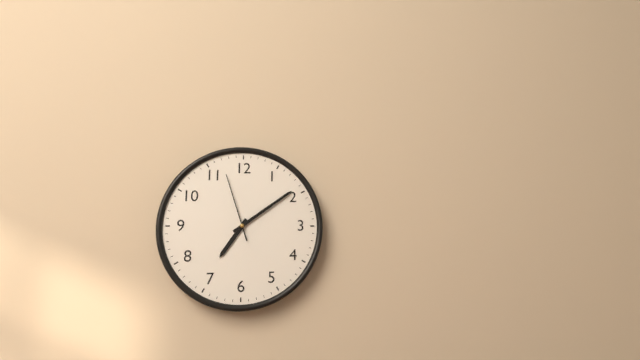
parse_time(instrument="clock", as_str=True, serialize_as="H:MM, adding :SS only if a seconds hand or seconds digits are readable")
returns 7:09:57
